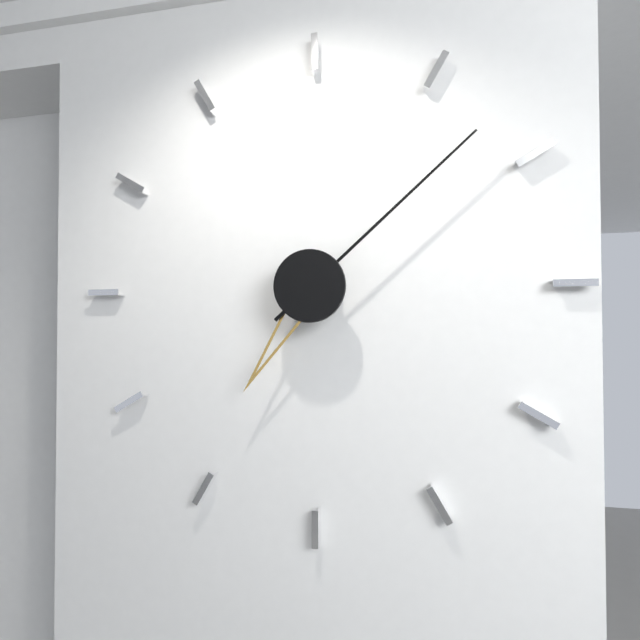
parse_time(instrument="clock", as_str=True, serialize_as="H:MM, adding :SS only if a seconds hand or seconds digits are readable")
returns 7:08
